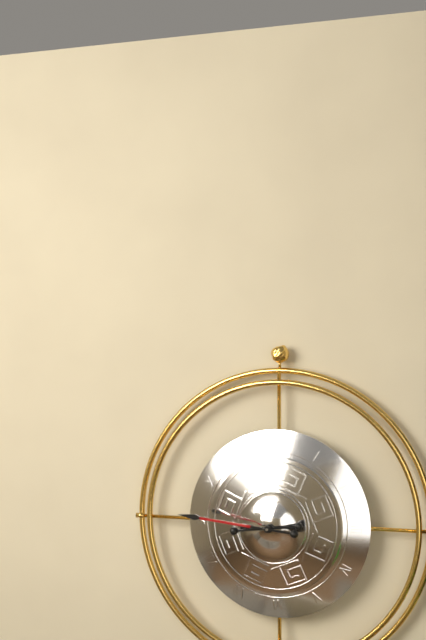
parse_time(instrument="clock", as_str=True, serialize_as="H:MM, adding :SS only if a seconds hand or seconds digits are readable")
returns 8:46
